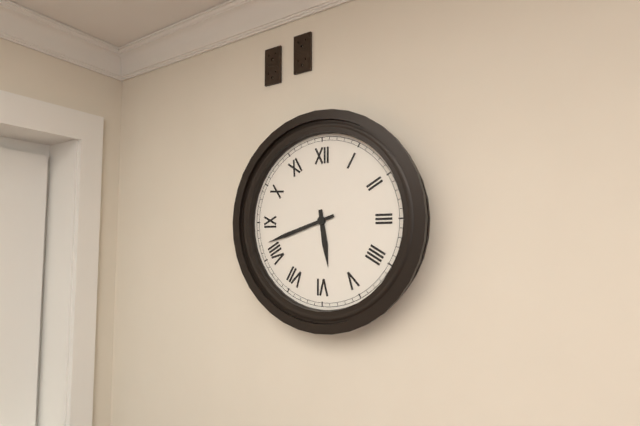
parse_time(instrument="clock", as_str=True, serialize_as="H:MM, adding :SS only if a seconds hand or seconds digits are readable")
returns 5:42
